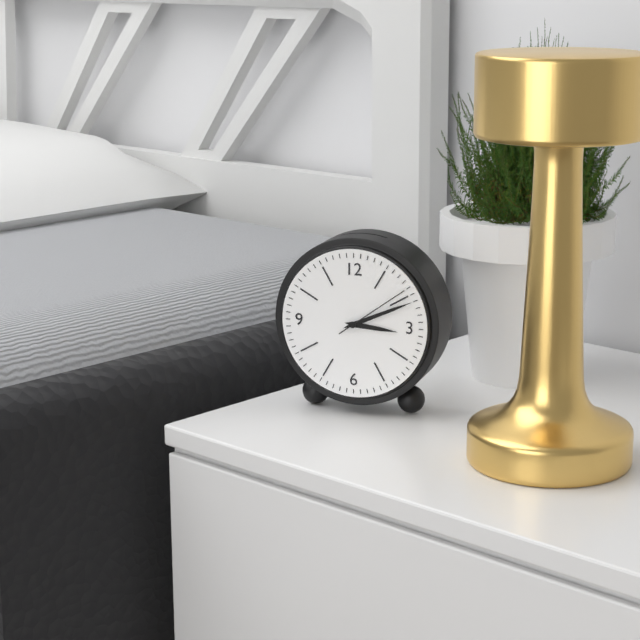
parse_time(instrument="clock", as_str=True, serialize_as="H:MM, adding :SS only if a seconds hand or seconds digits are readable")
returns 3:11:09
